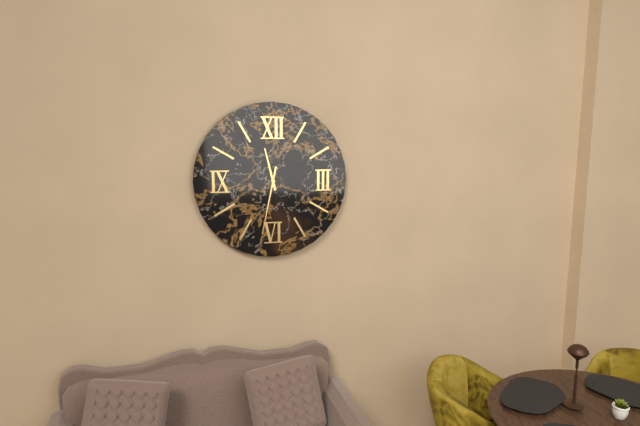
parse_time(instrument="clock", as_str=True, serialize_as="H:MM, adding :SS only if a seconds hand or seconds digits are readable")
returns 11:32
